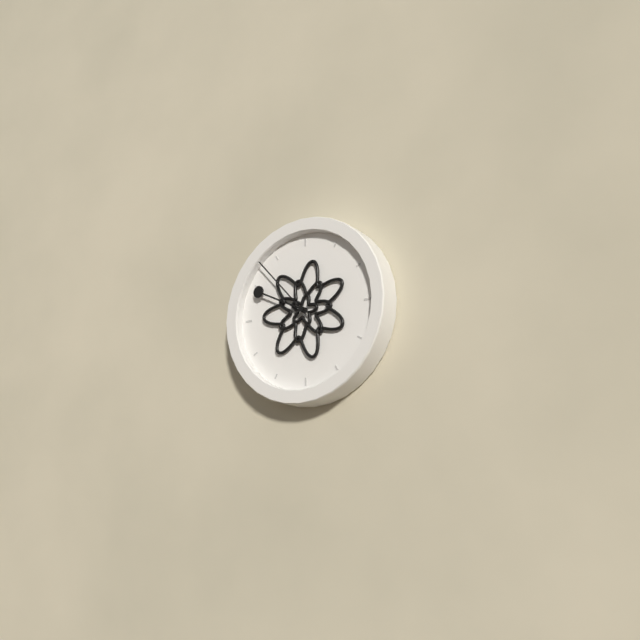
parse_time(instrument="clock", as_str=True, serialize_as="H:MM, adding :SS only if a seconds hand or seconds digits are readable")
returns 9:53
